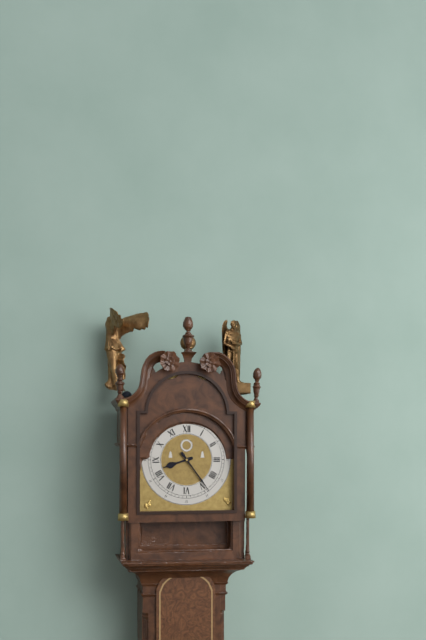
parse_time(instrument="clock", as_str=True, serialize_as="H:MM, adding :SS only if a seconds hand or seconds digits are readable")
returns 8:24
